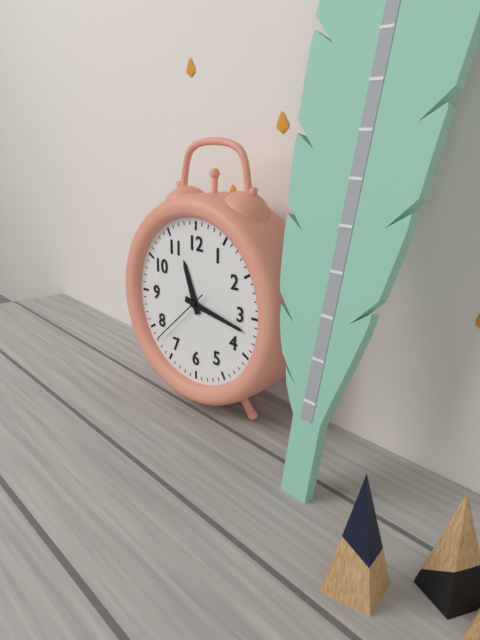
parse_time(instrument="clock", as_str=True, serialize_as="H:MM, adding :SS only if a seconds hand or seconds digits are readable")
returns 11:17:38
